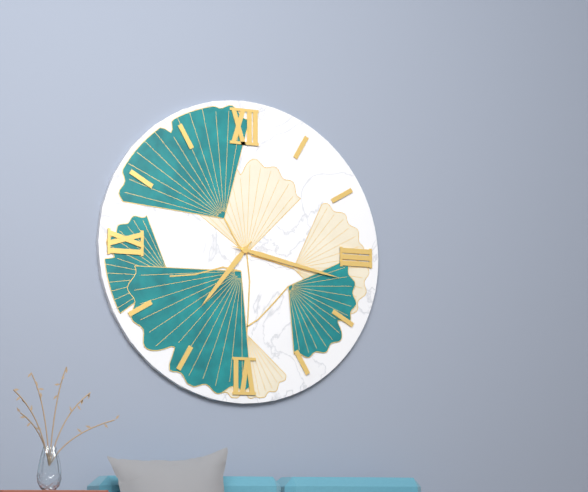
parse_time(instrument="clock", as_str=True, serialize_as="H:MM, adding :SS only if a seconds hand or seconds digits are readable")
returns 7:17
